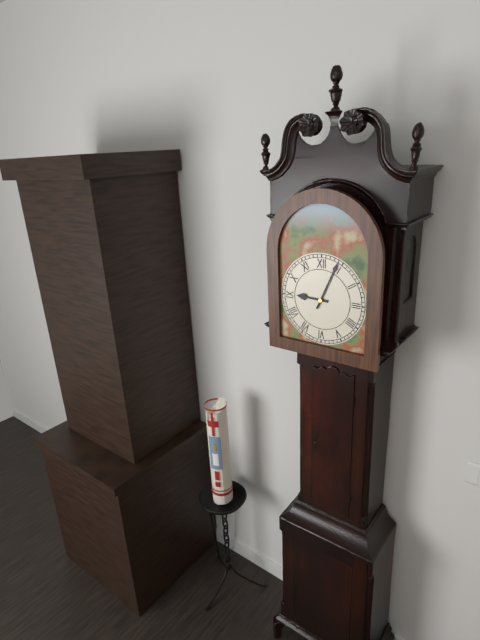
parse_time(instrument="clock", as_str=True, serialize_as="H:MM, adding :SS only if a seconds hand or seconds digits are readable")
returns 9:04
